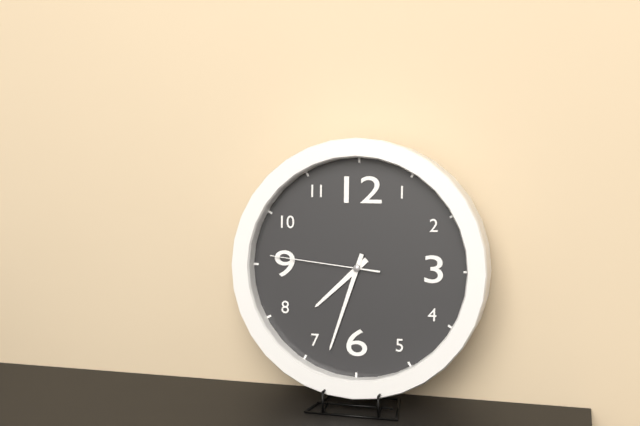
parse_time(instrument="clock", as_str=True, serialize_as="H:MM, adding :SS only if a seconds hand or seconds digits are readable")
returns 7:33:46
